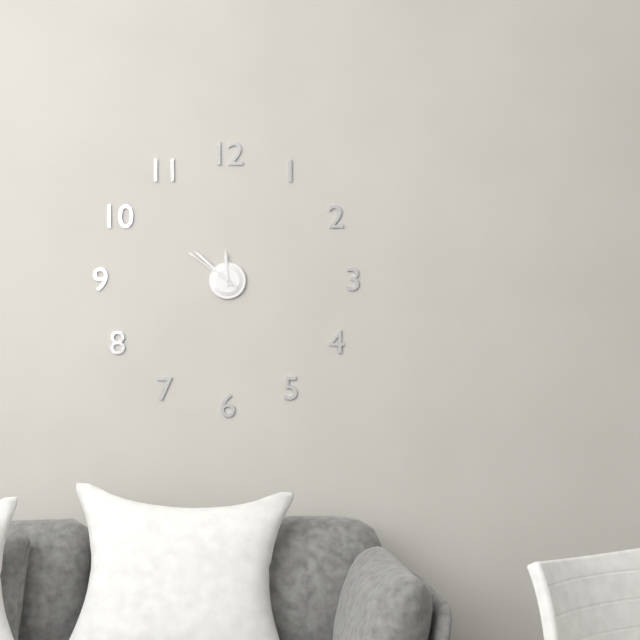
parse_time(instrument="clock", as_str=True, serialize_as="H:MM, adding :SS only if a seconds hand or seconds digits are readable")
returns 11:52:51
